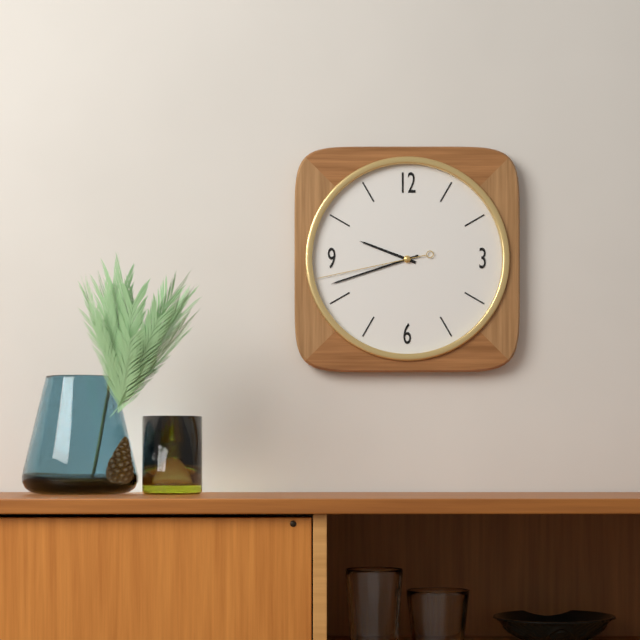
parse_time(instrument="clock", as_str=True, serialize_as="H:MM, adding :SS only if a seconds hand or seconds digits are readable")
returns 9:42:43
